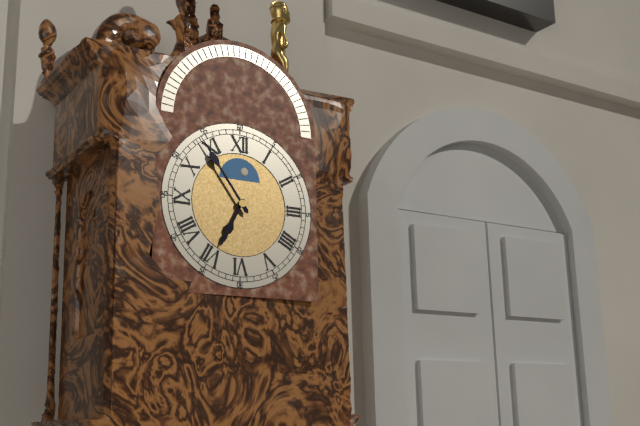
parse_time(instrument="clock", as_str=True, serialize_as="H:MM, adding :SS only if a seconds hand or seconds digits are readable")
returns 6:54
